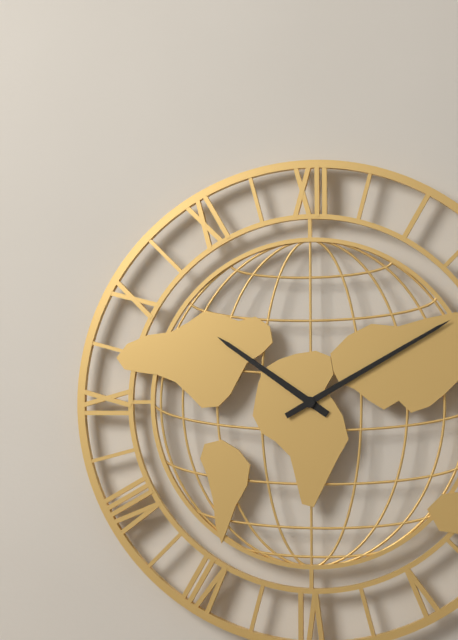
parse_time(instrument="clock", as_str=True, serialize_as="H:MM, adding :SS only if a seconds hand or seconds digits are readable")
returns 10:10
